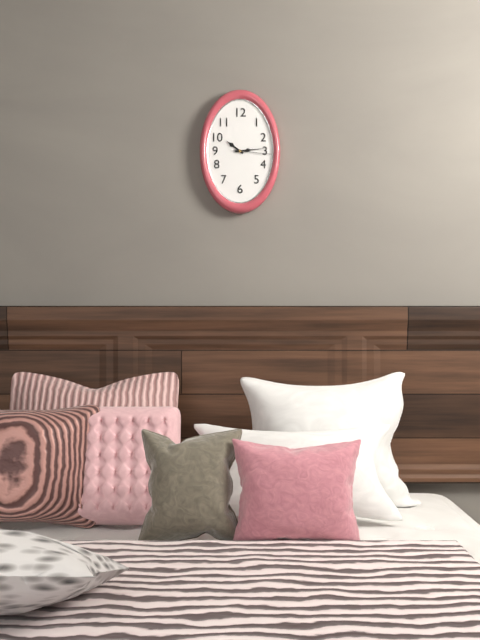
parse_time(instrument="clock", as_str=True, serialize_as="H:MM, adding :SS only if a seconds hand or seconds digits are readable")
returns 10:14
